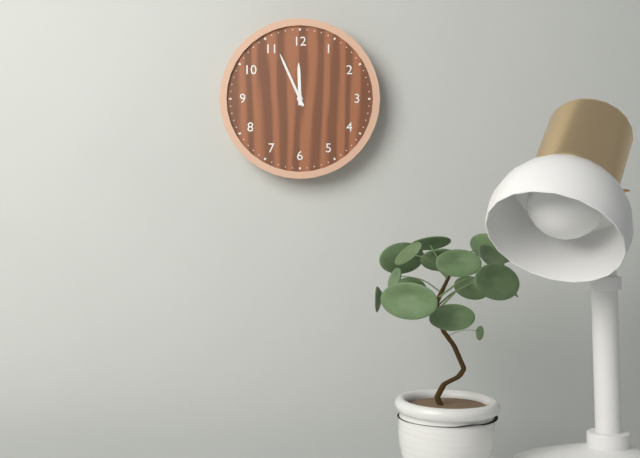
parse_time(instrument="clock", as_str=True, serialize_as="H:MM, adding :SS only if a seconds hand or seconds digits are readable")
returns 11:56
